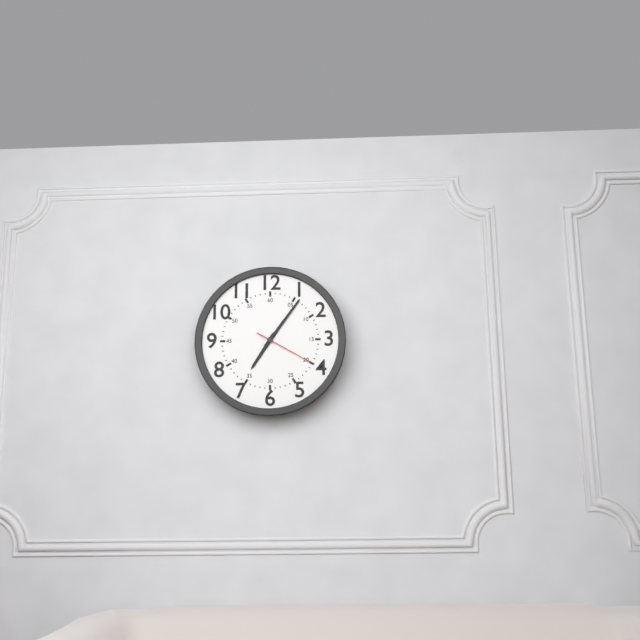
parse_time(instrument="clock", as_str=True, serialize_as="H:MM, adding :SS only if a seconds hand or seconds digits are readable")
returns 7:06:20
